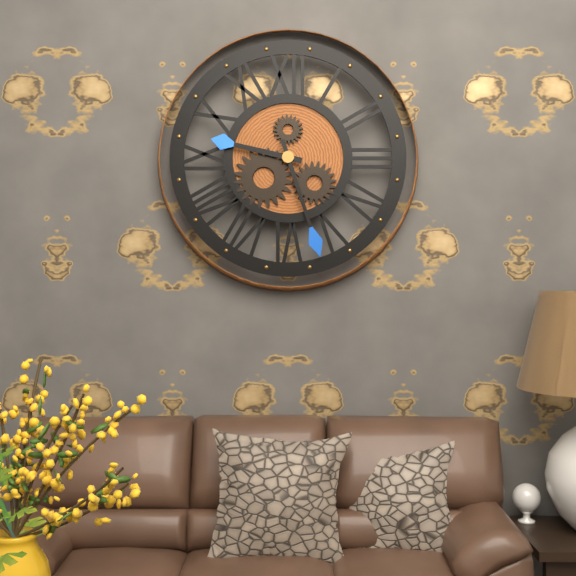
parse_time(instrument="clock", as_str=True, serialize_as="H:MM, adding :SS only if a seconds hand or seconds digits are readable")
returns 9:27
